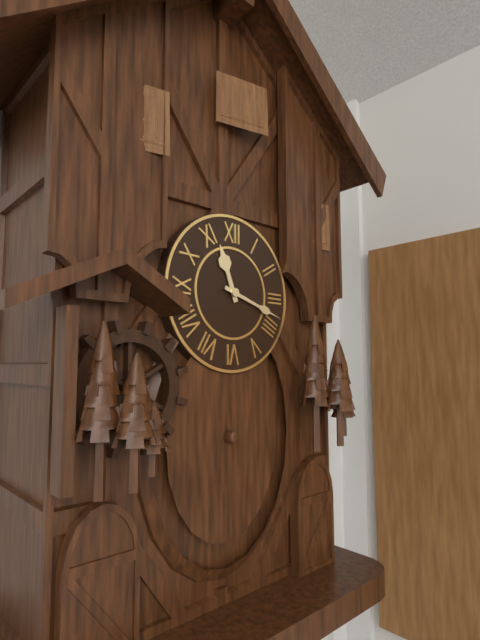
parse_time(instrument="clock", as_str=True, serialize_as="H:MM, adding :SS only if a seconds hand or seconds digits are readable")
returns 11:18
